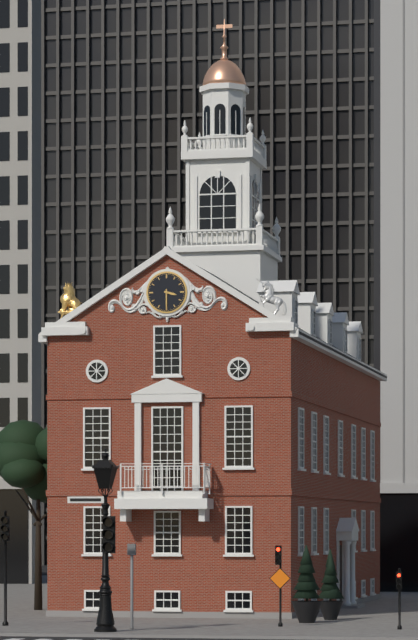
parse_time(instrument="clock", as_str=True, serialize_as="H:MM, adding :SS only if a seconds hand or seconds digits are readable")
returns 3:30
